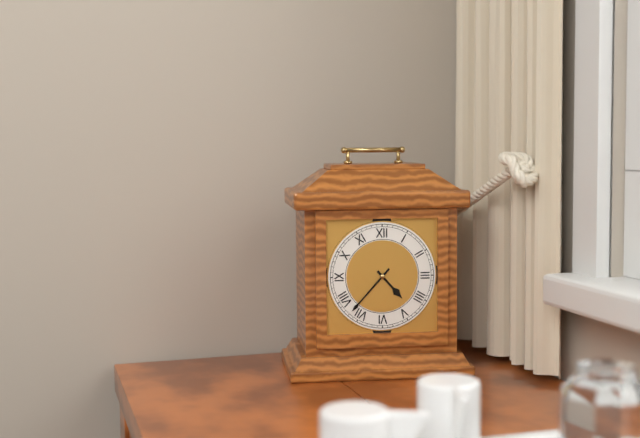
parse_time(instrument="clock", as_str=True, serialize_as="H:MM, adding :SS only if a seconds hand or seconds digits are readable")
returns 4:37
